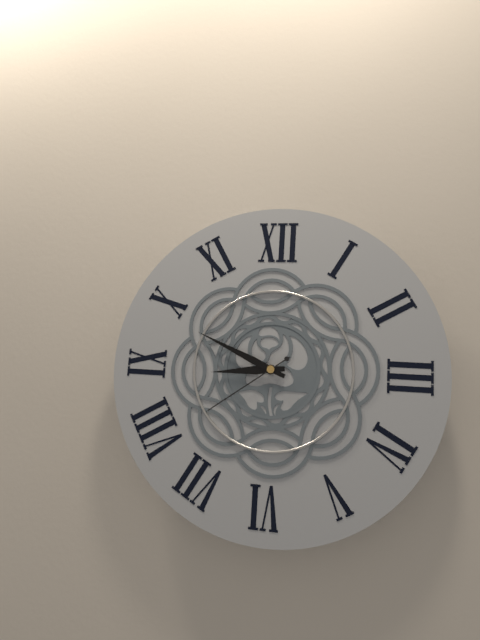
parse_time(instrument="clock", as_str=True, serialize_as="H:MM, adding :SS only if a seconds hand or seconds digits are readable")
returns 8:49:39
